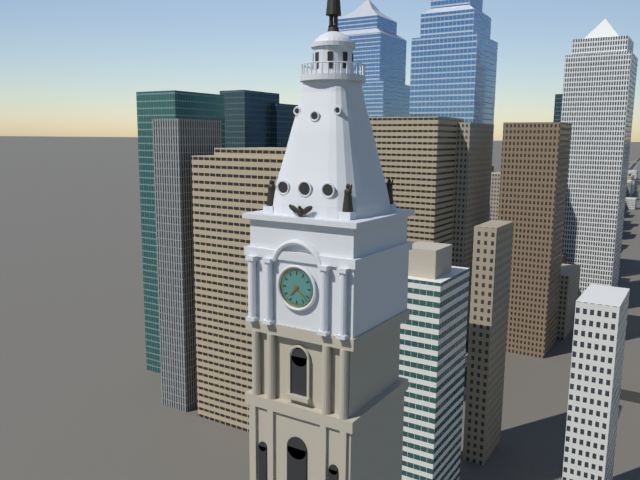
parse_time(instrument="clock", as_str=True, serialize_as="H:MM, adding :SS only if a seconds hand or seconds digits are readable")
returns 7:22
